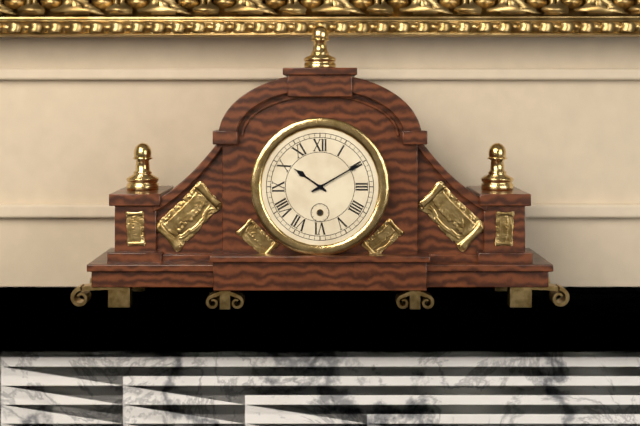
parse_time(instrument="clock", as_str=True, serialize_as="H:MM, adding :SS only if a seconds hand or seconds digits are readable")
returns 10:10
